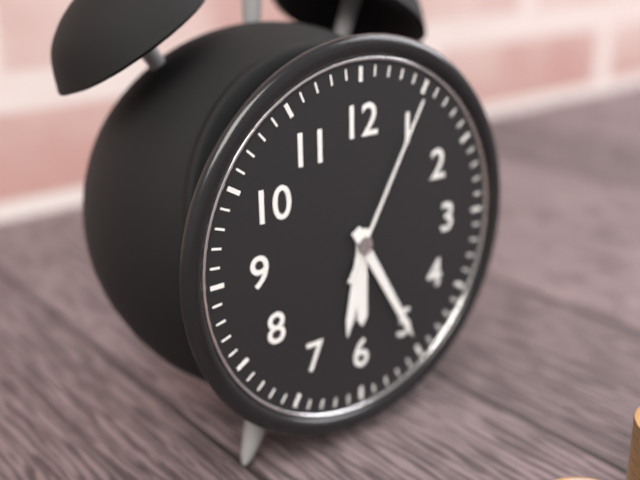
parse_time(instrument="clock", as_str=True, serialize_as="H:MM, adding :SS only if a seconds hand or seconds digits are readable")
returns 6:25:05
